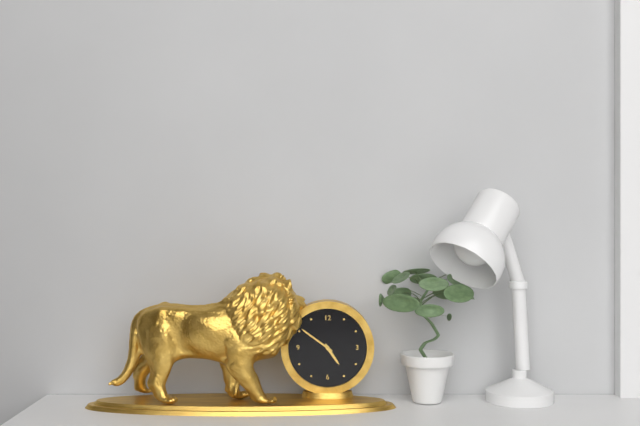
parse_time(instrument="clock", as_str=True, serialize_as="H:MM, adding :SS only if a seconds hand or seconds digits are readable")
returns 4:51
